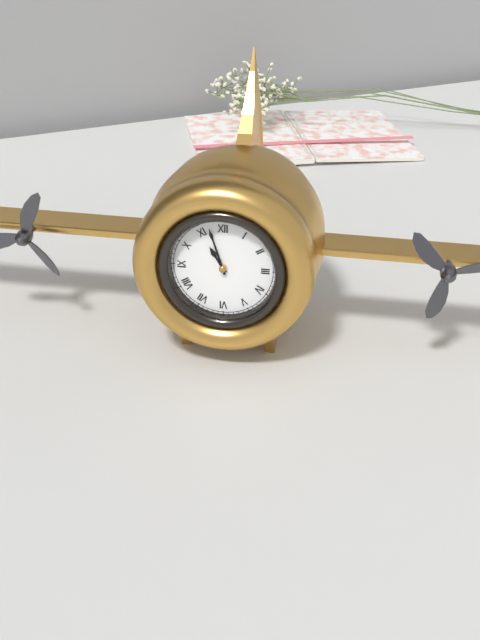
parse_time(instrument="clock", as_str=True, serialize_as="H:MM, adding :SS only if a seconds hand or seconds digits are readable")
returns 10:57
